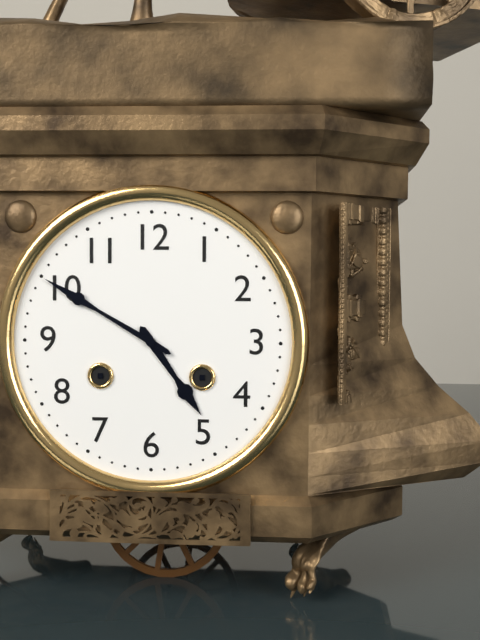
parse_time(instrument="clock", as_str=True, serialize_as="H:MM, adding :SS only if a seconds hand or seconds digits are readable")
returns 4:50
